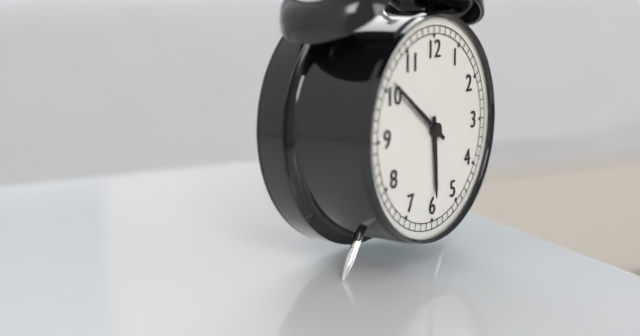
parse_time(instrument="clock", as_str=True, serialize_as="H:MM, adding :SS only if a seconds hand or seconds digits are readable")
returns 5:51
